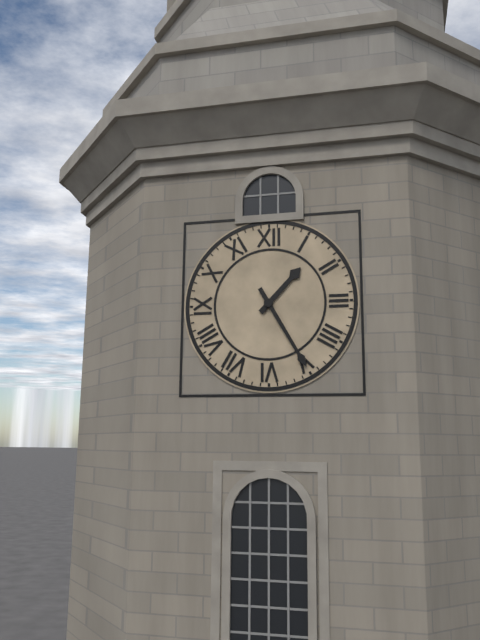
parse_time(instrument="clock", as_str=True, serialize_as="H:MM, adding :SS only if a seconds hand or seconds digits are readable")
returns 1:25
